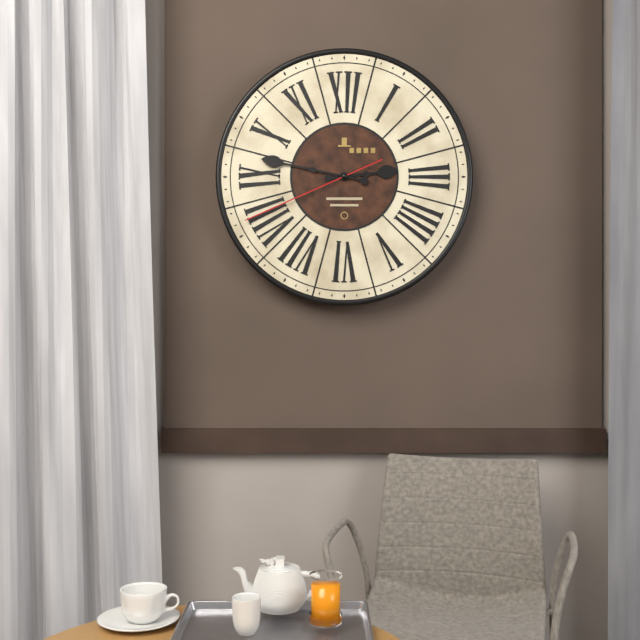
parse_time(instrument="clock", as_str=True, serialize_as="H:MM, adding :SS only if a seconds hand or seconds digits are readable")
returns 2:47:41
